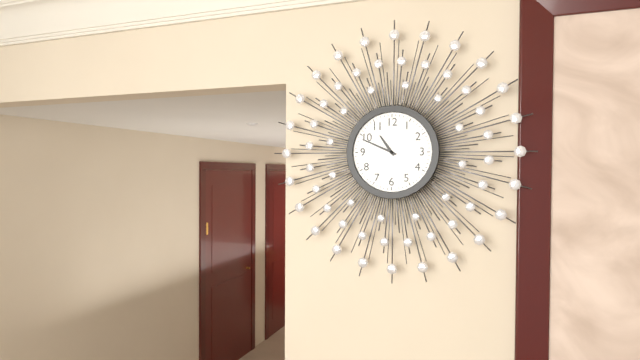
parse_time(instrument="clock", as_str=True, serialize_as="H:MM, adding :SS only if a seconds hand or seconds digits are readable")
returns 10:49
